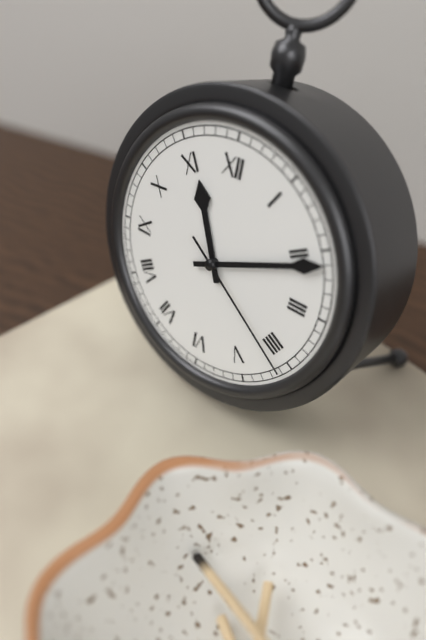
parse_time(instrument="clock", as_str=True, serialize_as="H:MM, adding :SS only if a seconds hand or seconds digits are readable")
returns 11:11:21
